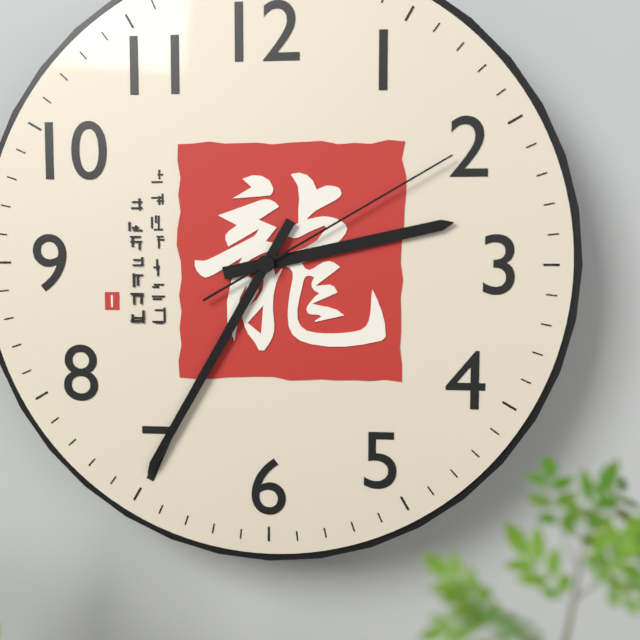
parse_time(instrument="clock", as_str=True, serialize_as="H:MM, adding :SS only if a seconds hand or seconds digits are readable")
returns 2:35:10
